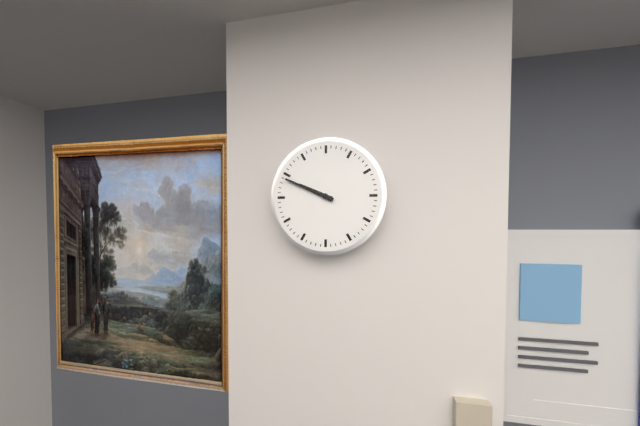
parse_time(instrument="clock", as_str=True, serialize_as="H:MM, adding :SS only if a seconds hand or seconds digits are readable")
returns 9:49
